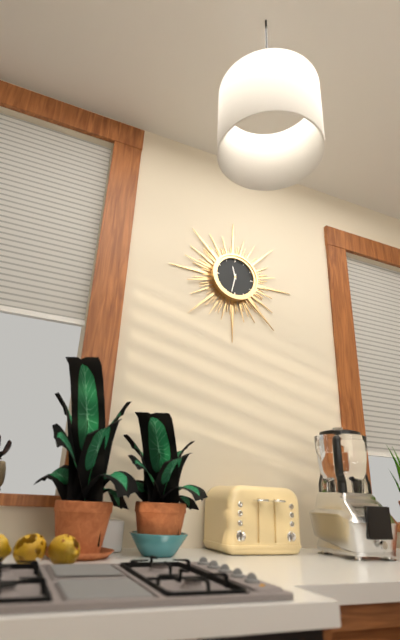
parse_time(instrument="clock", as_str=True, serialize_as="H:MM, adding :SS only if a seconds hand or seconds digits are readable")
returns 11:32
